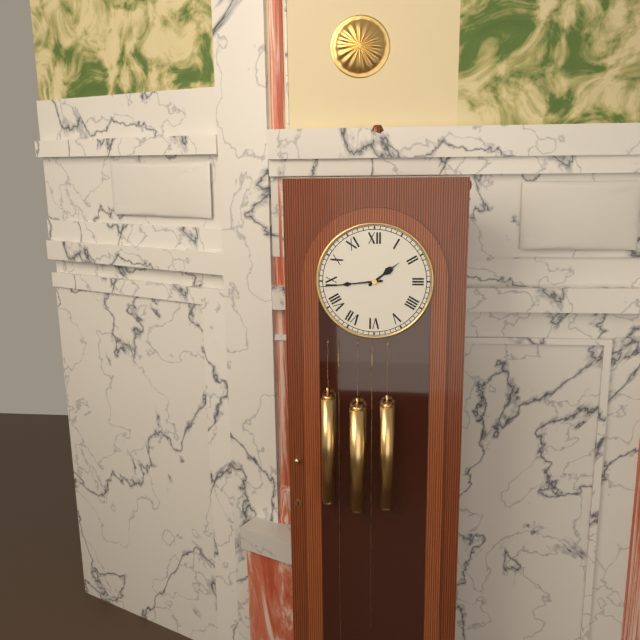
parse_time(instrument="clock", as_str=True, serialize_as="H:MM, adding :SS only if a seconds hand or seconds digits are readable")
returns 1:44
